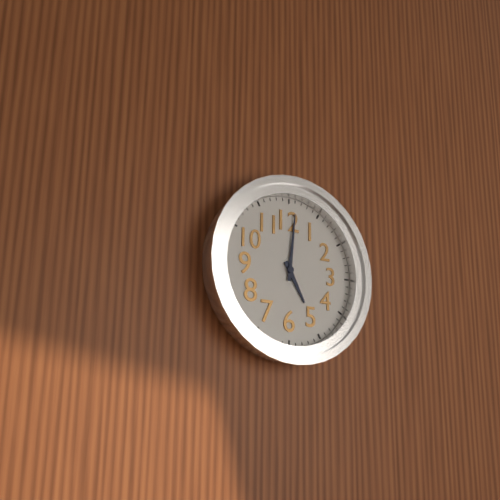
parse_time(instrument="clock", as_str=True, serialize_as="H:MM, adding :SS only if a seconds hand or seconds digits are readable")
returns 5:01
